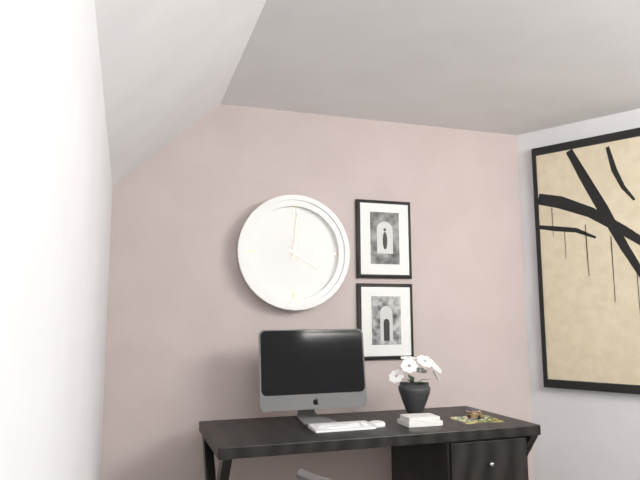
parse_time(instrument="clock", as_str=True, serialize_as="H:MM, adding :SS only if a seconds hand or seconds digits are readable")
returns 4:01
